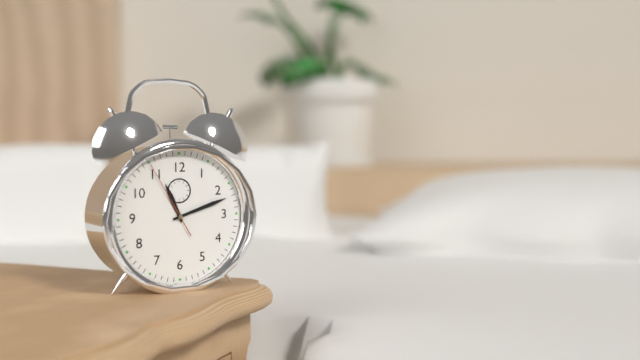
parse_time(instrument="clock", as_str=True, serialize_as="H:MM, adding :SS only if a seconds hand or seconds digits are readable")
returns 11:12:55
